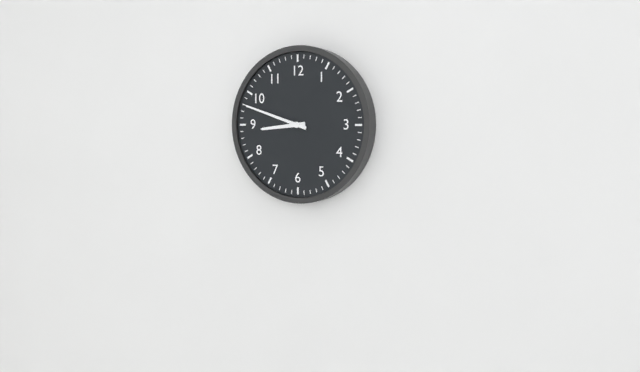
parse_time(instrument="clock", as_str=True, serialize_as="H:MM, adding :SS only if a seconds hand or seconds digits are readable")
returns 8:48
